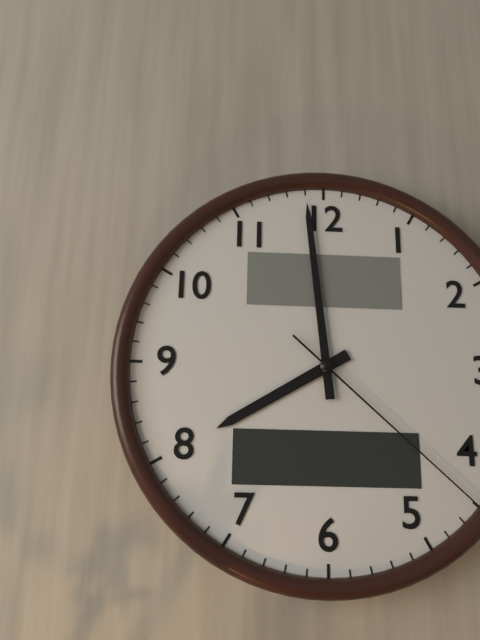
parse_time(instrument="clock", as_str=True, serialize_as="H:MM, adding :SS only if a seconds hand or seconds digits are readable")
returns 7:59:22
